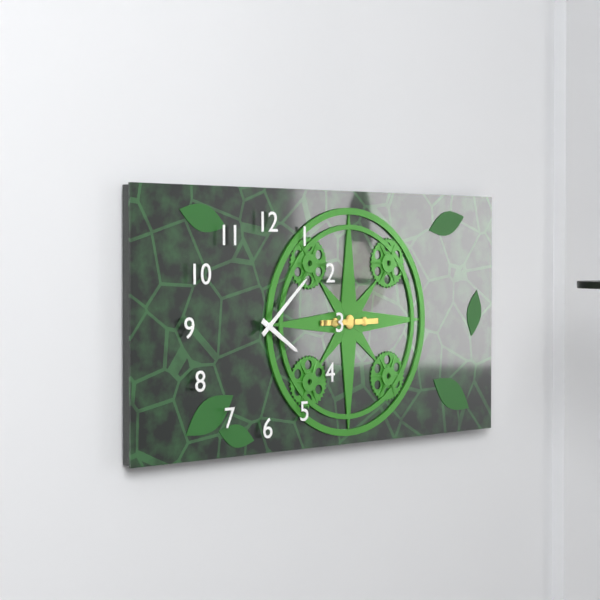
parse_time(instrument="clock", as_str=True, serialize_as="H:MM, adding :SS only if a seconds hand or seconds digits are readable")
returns 4:08
